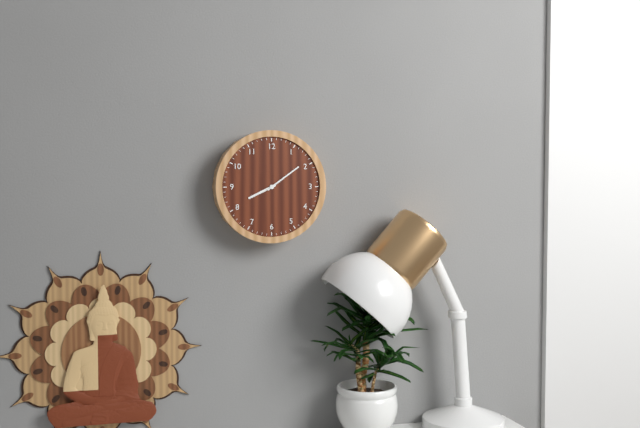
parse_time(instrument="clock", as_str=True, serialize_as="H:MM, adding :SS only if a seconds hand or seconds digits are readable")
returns 8:09
